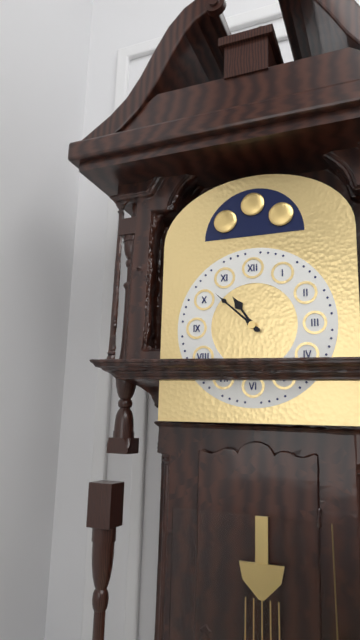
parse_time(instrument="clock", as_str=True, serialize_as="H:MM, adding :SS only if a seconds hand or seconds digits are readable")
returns 10:52
